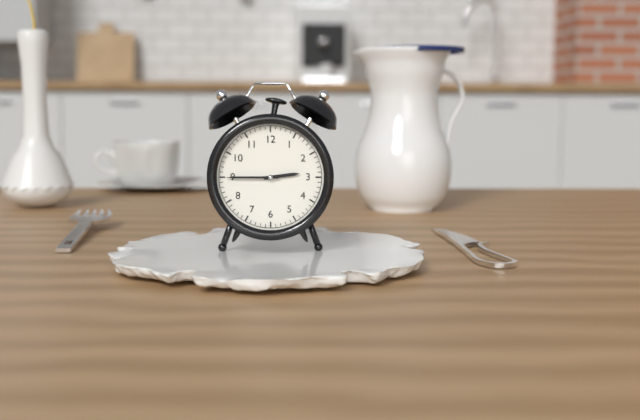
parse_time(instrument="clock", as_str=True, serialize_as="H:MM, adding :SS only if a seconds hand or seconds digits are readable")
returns 2:45
